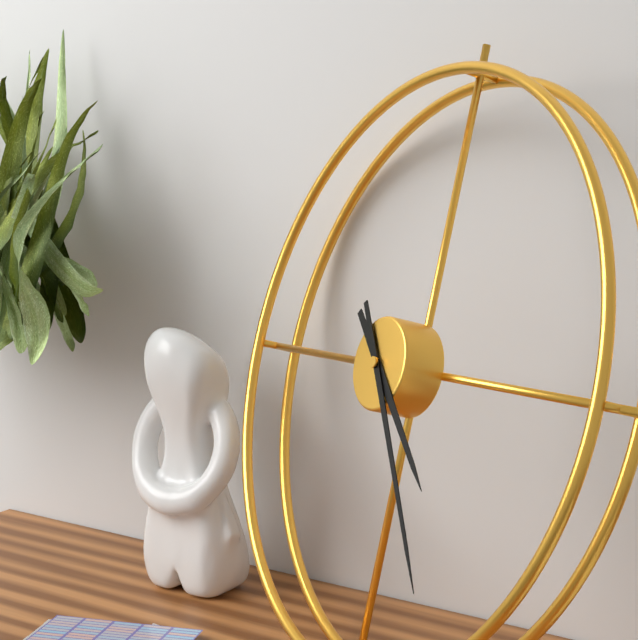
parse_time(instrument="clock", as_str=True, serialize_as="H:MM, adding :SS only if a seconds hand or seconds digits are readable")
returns 4:24
